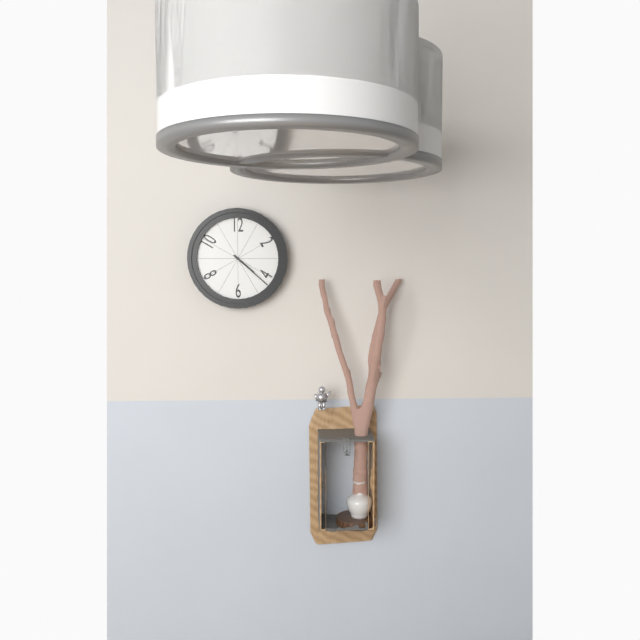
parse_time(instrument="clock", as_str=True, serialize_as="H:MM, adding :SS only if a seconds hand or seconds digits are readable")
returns 4:22
